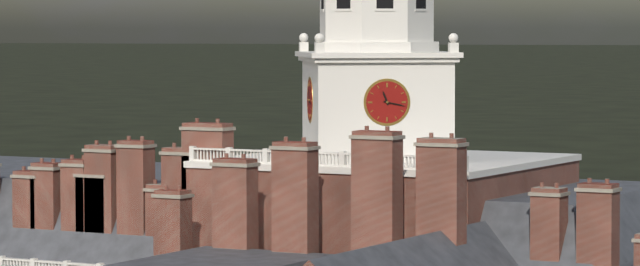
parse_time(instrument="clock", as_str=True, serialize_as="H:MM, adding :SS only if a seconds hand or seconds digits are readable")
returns 11:17
